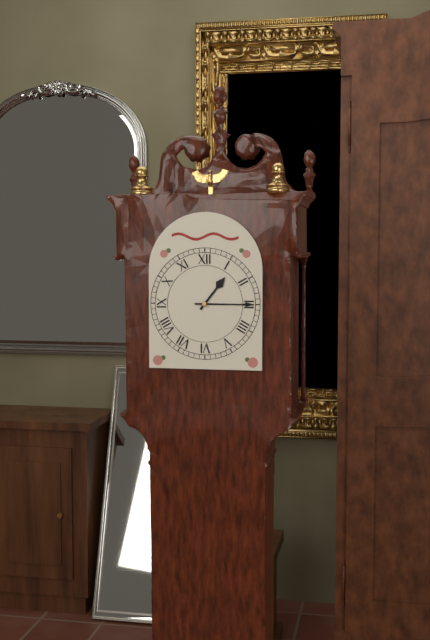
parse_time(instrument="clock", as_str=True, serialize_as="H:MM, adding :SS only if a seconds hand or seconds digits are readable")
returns 1:15
